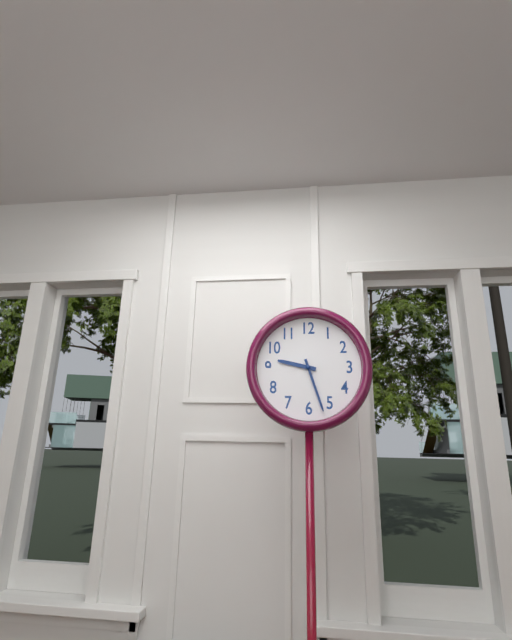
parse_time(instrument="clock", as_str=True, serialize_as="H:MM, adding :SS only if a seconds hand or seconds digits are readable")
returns 9:27
